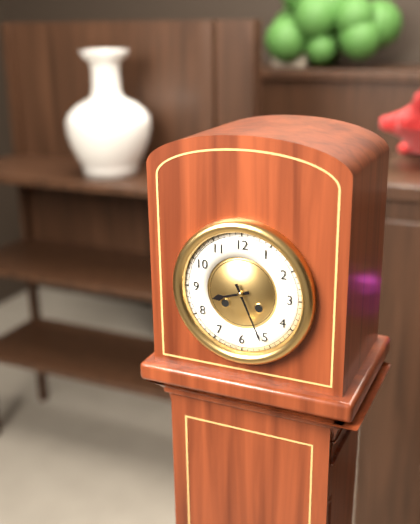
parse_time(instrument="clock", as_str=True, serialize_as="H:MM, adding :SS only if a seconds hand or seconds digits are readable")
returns 8:26
